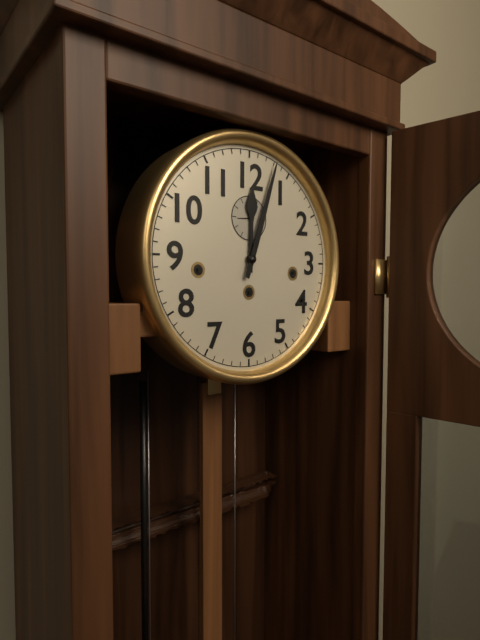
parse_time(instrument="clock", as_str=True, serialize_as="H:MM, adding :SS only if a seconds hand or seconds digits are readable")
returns 12:03
